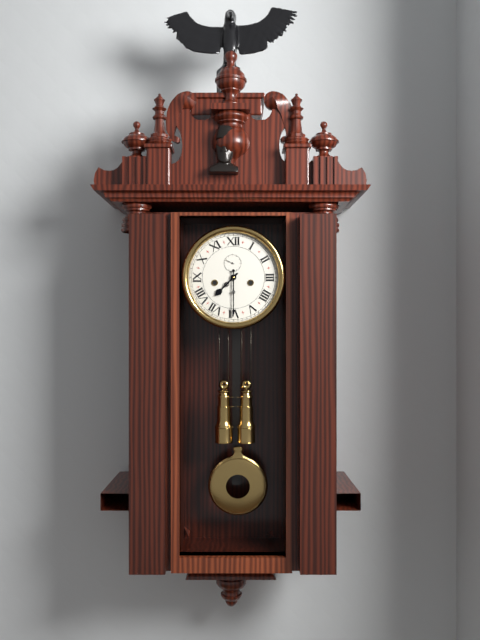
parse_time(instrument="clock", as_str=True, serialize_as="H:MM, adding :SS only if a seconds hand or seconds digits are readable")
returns 7:30
